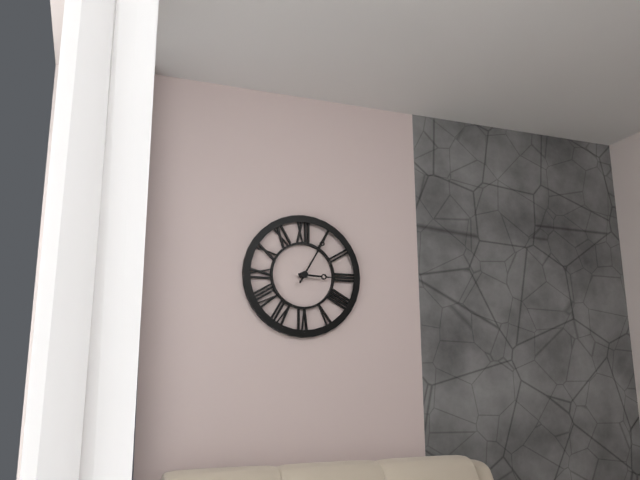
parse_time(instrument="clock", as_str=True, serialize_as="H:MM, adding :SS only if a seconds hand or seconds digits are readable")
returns 3:05
